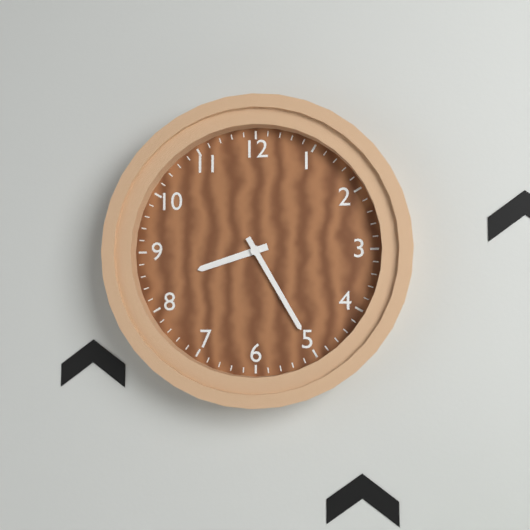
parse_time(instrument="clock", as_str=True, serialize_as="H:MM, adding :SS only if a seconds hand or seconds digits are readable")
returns 8:25
